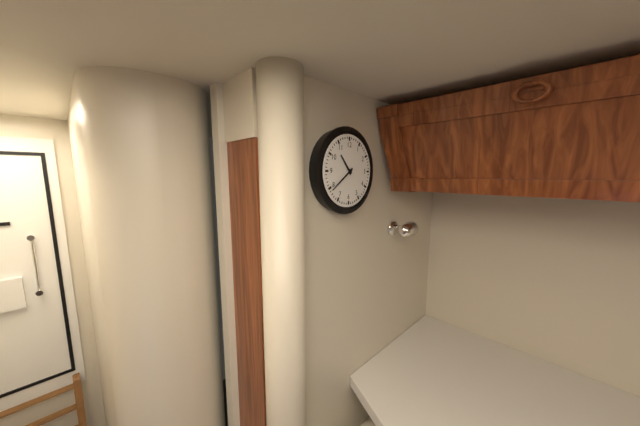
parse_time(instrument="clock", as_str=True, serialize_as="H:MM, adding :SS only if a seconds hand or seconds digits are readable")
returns 10:39
